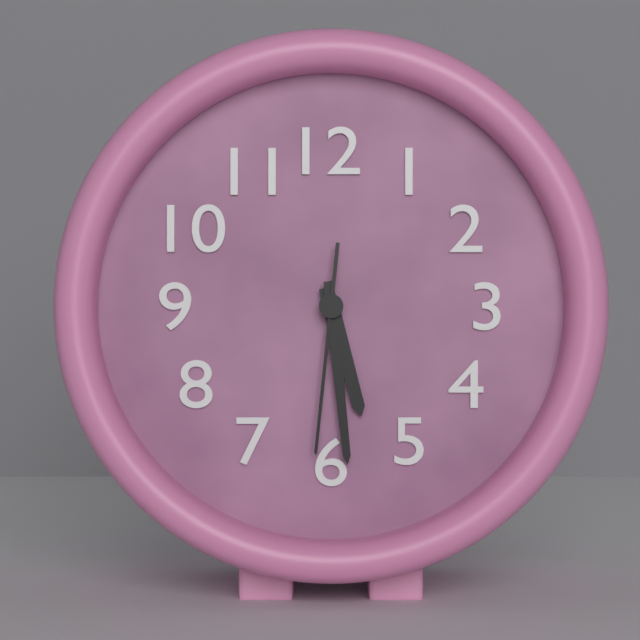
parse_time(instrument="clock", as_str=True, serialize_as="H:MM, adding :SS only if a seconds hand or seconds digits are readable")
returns 5:29:31
